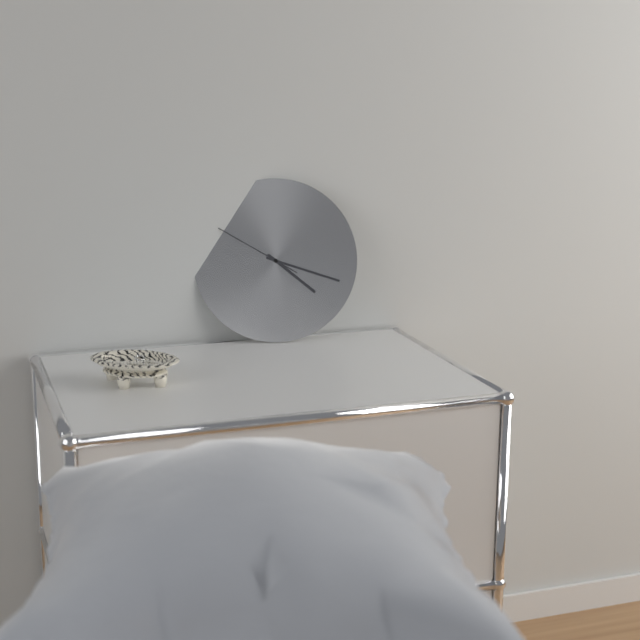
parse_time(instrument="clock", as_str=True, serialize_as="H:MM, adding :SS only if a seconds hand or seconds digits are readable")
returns 4:18:50
